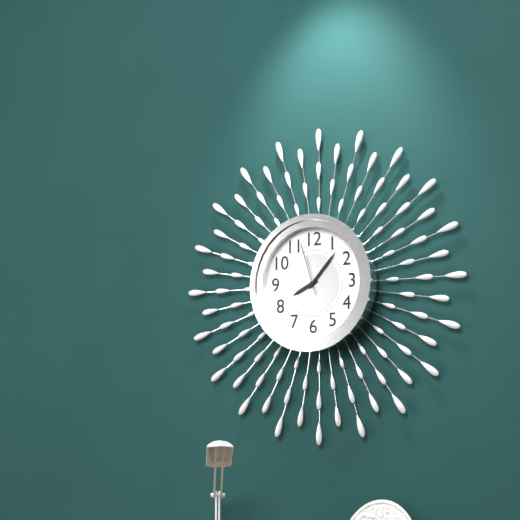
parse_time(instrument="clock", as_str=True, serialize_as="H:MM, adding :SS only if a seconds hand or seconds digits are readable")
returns 8:07:57
